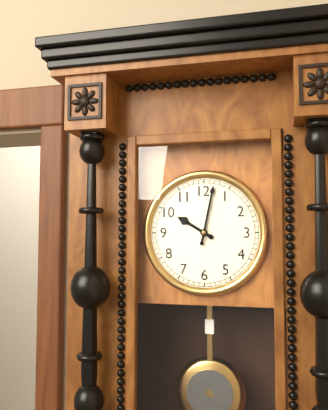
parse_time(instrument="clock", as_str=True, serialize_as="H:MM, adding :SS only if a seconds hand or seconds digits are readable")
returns 10:02
